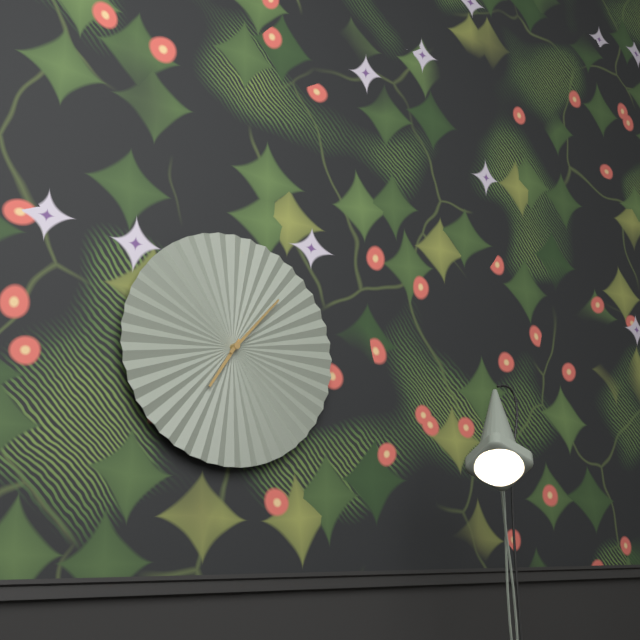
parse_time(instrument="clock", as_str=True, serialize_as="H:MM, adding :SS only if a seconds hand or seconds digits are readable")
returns 7:07
